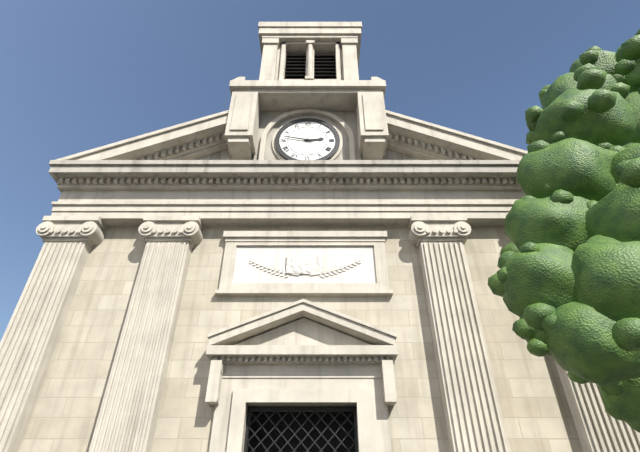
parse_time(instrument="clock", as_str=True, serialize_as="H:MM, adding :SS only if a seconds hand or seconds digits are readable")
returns 2:47
